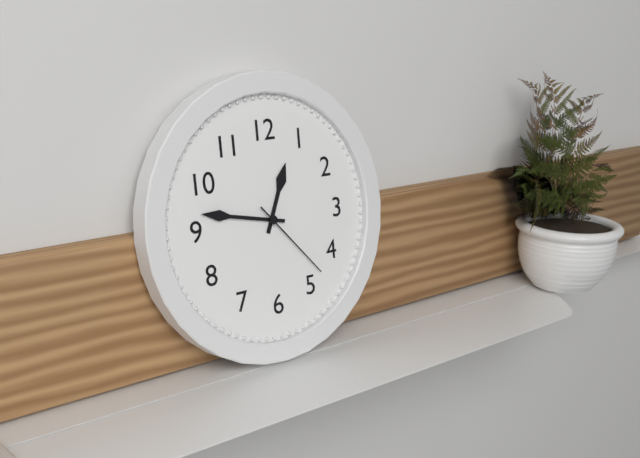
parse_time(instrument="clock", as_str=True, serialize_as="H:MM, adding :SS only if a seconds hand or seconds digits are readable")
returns 12:47:23
